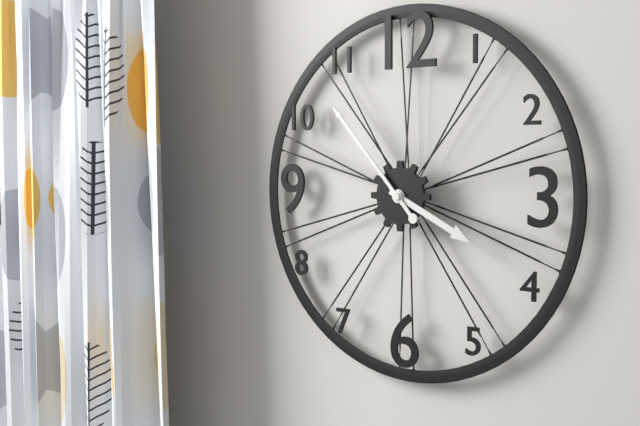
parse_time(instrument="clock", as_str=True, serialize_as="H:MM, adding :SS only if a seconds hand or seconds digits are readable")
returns 3:53
